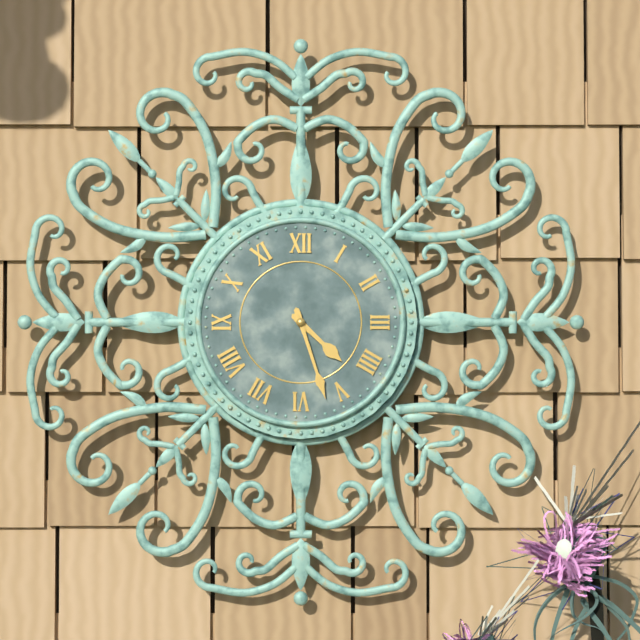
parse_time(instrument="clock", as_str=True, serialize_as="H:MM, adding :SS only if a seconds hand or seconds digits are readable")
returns 4:27
